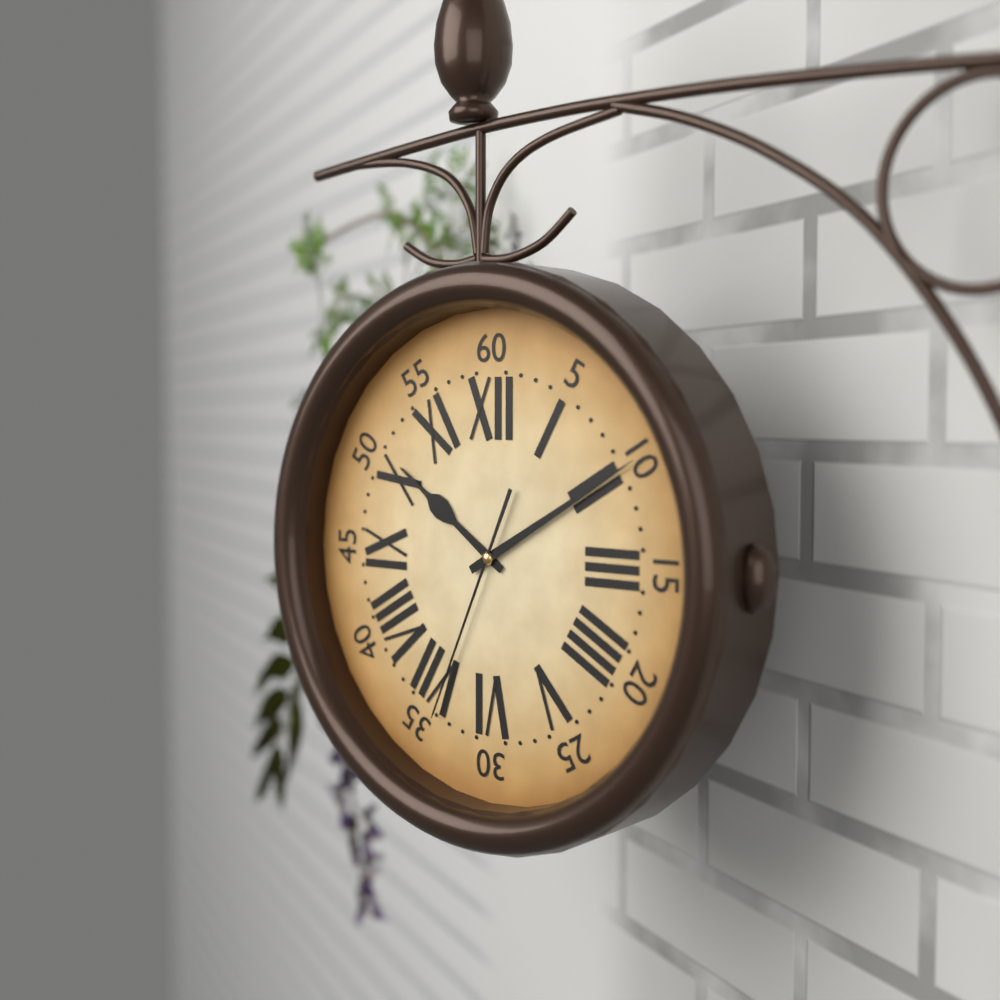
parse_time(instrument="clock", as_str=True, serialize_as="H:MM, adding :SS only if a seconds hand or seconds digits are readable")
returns 10:10:34
